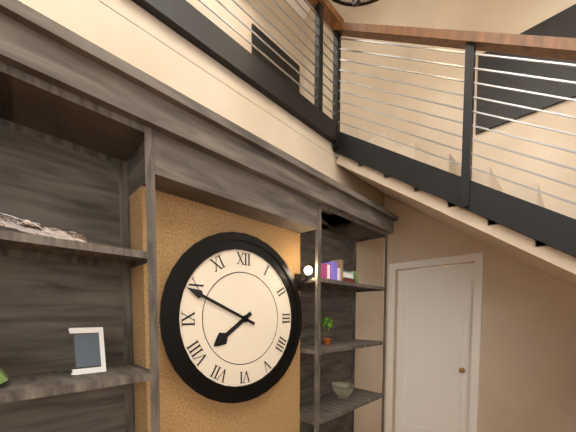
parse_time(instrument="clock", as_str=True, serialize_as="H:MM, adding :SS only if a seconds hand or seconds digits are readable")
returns 7:49
